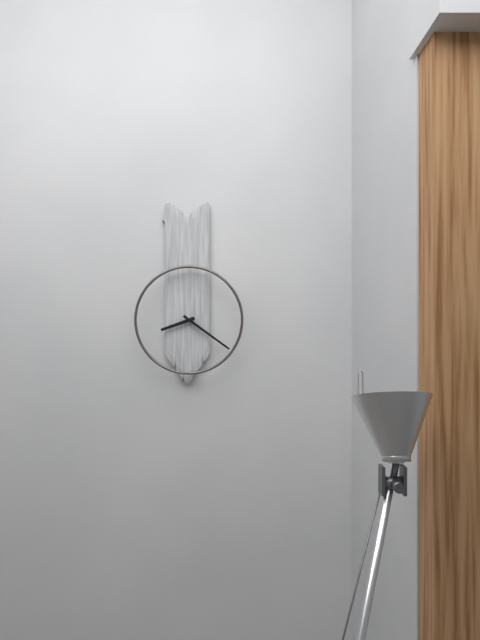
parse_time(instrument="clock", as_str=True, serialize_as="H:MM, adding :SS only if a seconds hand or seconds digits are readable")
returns 8:21
